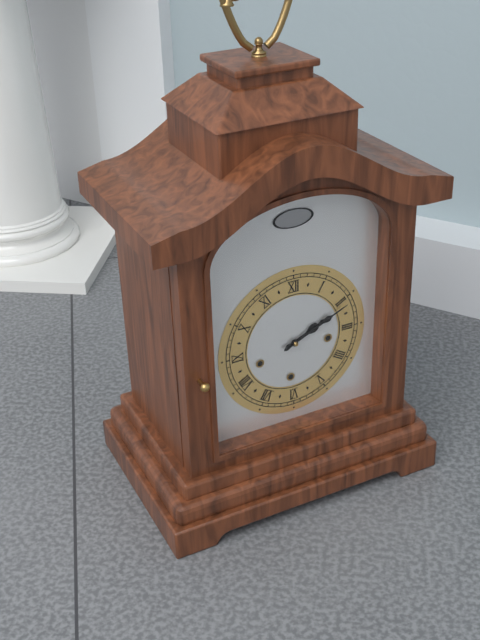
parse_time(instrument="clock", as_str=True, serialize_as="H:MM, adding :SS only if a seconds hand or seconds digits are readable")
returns 2:11
